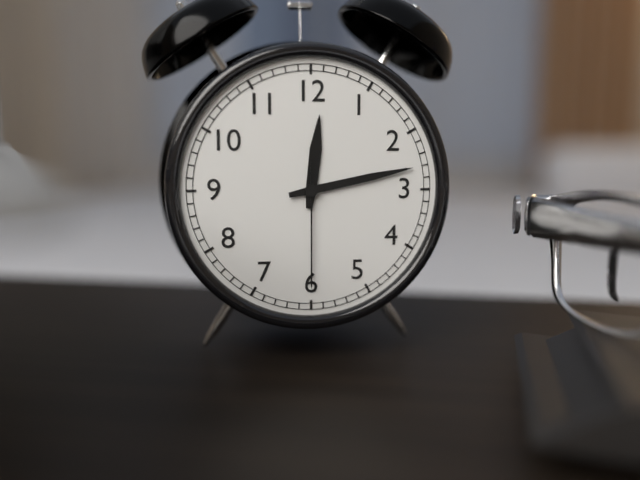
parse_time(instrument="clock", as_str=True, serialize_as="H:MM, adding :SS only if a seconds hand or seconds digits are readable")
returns 12:13:30
